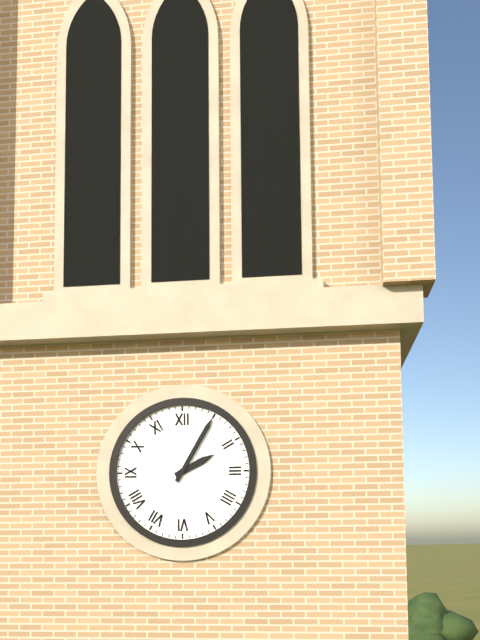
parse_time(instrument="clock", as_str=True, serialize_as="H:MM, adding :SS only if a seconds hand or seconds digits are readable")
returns 2:05
